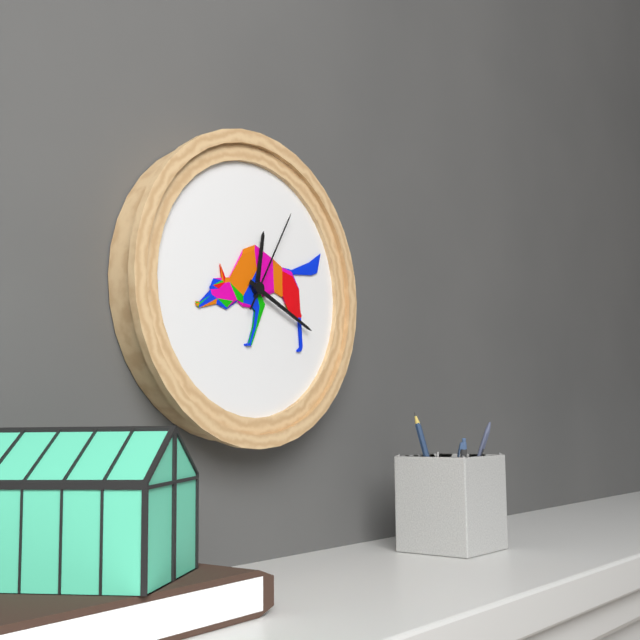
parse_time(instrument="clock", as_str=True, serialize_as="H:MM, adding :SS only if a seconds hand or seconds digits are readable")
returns 12:19:05
